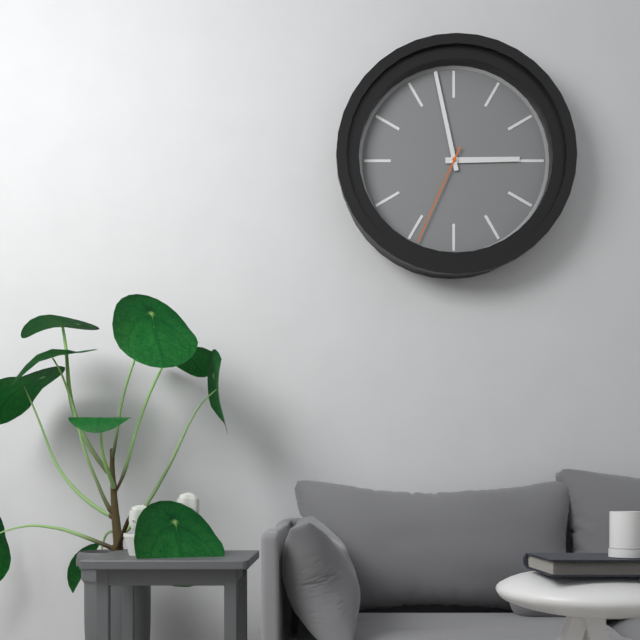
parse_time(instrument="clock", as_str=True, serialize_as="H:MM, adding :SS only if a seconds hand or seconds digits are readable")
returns 2:58:34
